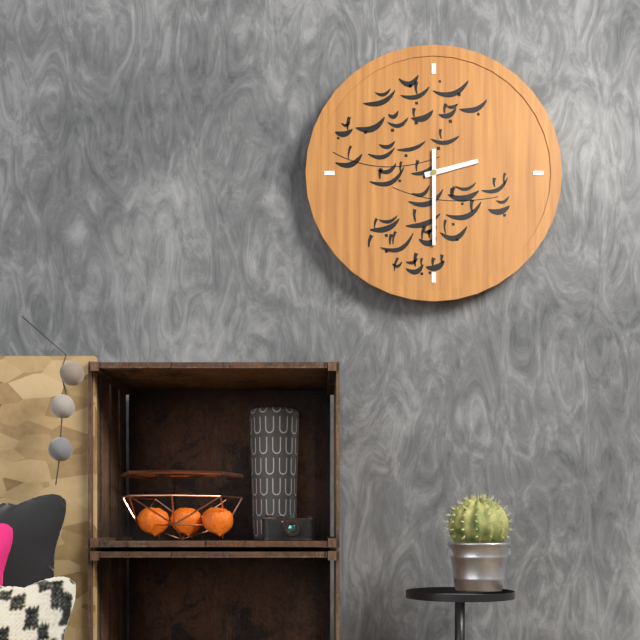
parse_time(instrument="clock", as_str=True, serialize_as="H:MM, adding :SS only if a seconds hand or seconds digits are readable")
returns 2:30
